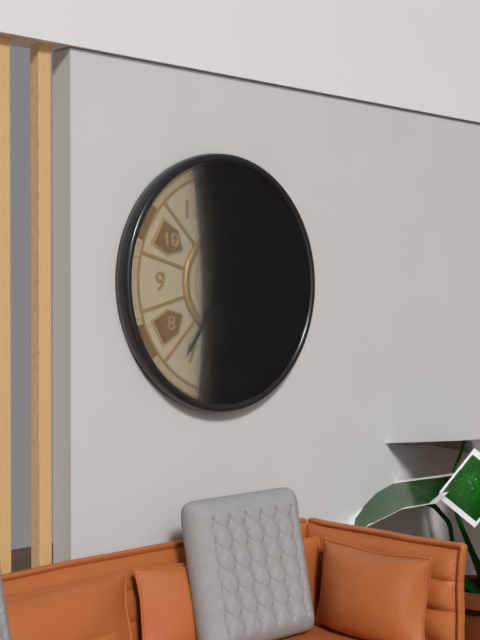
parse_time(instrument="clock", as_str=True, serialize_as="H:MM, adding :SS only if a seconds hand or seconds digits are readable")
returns 2:36:24
